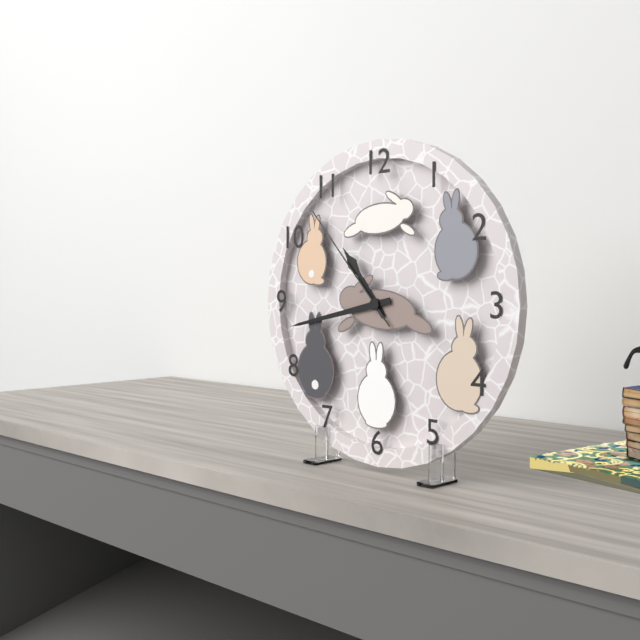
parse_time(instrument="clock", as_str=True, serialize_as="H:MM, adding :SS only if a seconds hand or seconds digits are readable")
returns 10:43:53
